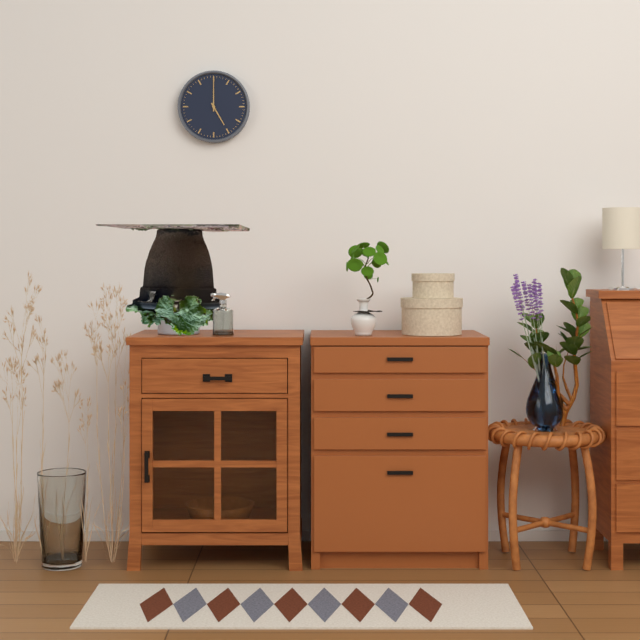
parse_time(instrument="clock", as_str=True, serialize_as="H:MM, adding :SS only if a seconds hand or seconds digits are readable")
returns 5:00
